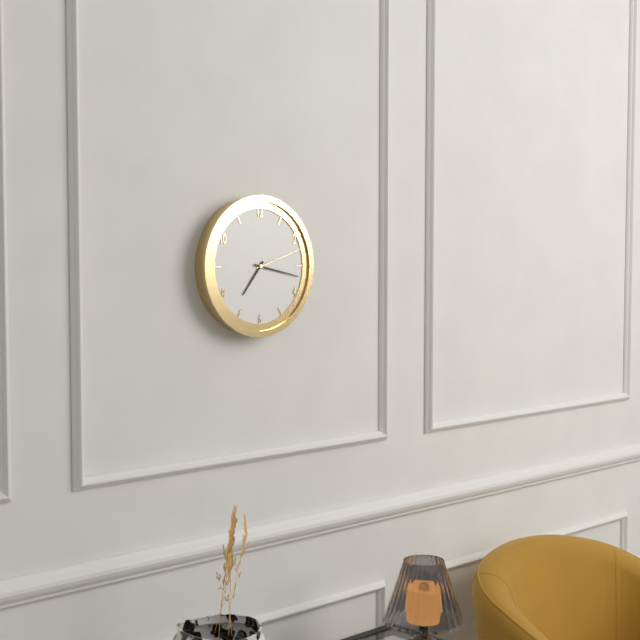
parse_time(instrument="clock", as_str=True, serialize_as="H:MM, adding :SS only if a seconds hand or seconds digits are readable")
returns 7:17:12
